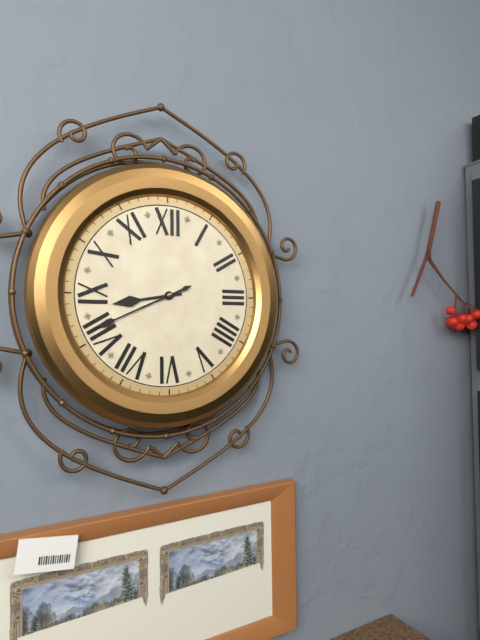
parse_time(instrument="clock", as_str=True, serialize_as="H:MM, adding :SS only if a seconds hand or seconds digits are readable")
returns 8:41
